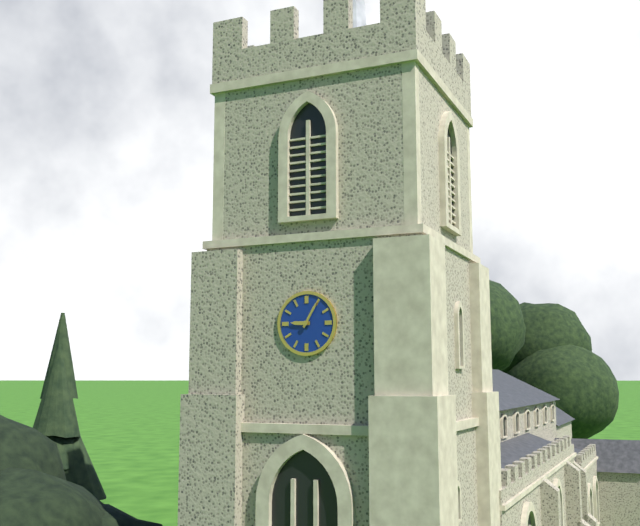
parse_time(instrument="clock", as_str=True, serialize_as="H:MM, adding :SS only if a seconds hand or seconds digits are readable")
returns 9:05
